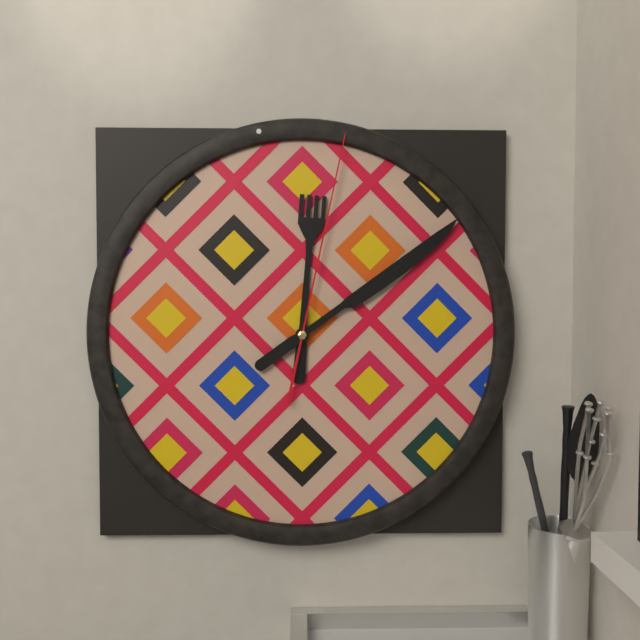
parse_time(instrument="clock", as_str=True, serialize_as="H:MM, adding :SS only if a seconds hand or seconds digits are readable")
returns 12:09:02
